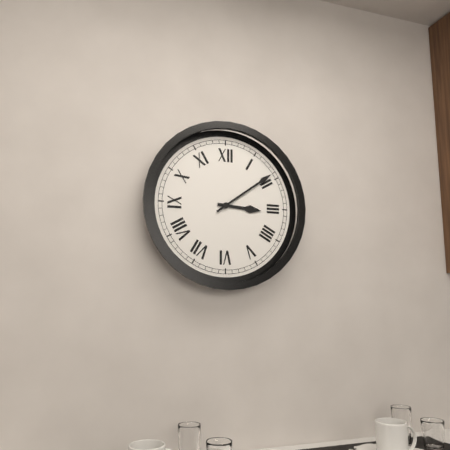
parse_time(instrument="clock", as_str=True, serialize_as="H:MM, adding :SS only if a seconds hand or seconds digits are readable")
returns 3:09
